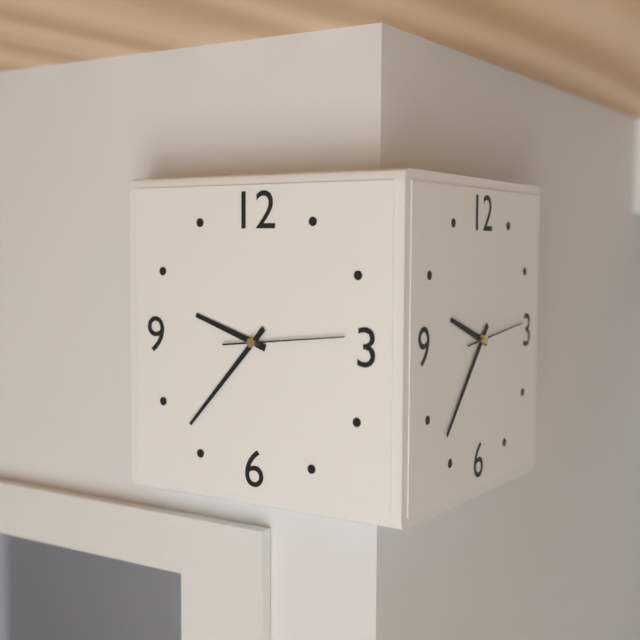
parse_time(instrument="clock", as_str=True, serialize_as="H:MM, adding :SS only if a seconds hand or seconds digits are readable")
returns 9:37:14
